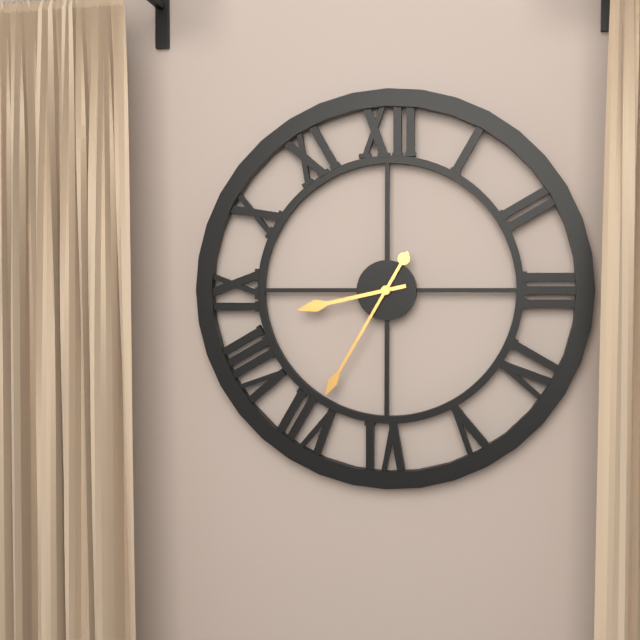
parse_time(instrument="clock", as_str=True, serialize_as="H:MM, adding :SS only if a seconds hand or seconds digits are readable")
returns 8:35
